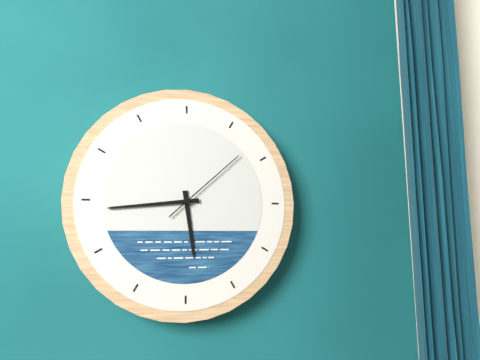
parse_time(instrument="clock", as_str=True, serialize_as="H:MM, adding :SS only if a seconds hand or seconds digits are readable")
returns 5:44:08
